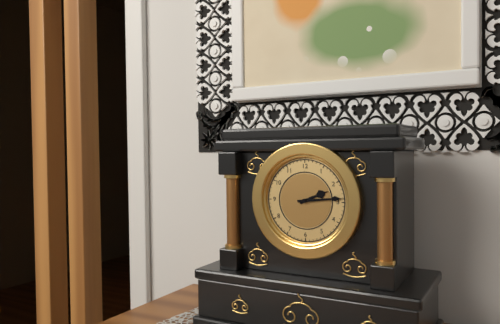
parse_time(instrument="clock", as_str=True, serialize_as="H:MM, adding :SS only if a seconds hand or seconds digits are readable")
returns 2:14
